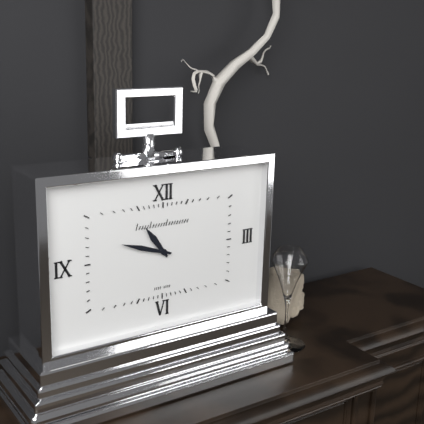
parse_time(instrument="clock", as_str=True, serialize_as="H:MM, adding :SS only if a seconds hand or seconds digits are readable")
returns 10:48
